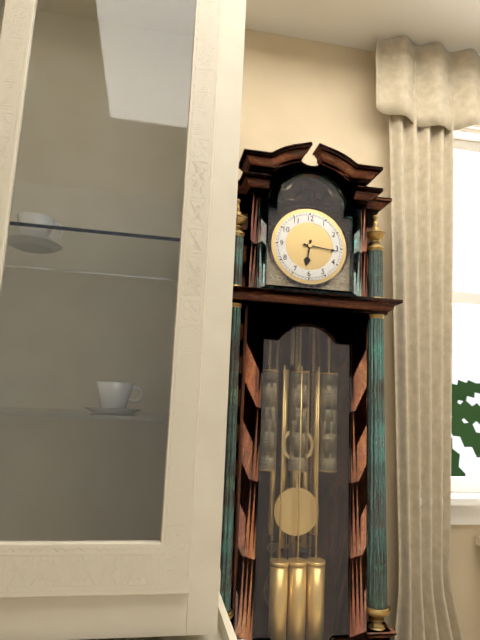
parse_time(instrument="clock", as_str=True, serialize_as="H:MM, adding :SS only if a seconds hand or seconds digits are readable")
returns 6:16
